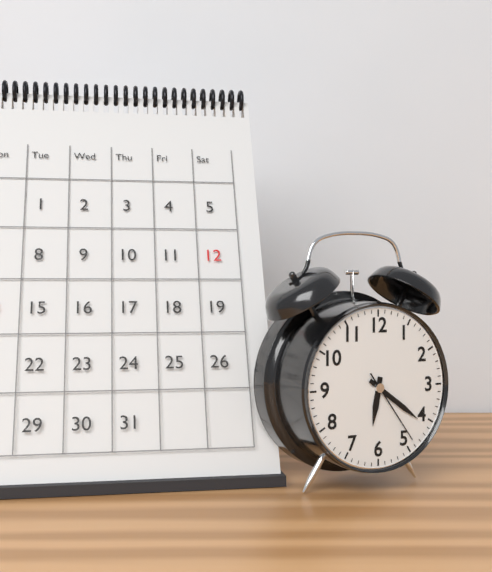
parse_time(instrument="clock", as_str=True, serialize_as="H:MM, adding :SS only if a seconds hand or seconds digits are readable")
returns 6:21:24
